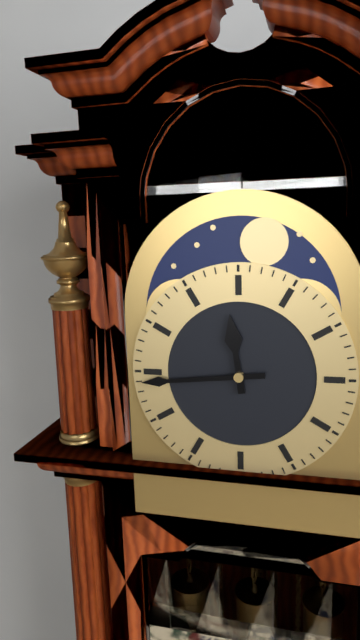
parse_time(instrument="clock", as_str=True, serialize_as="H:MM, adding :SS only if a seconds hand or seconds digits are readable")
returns 11:44
